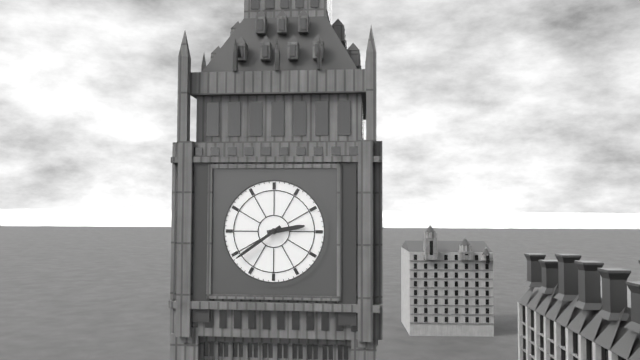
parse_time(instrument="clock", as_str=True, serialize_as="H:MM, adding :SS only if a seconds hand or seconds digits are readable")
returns 2:39
